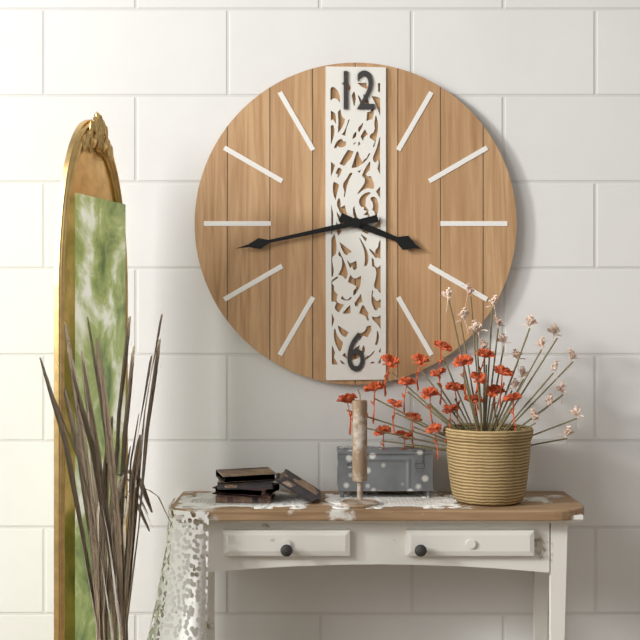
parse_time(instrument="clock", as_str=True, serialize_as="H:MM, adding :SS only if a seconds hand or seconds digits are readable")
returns 3:43
